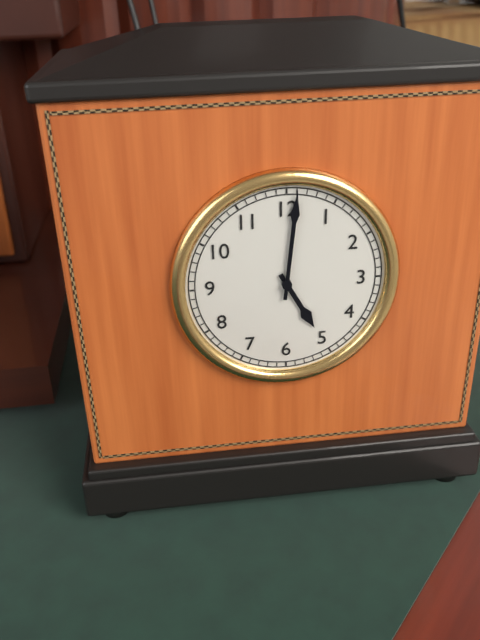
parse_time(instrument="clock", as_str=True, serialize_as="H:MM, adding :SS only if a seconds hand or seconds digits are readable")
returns 5:01
